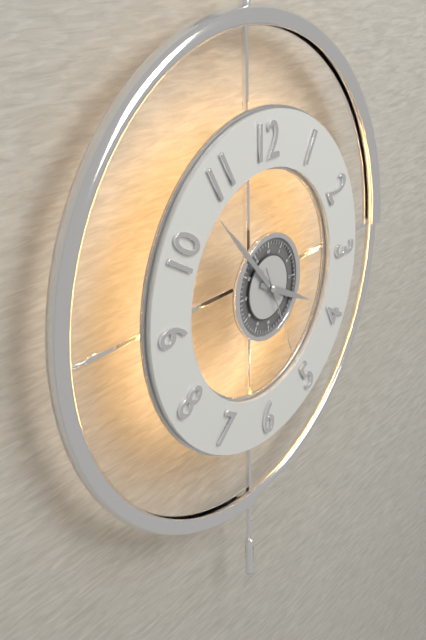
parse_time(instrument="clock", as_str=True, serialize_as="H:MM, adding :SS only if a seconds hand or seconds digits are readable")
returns 3:53:26
